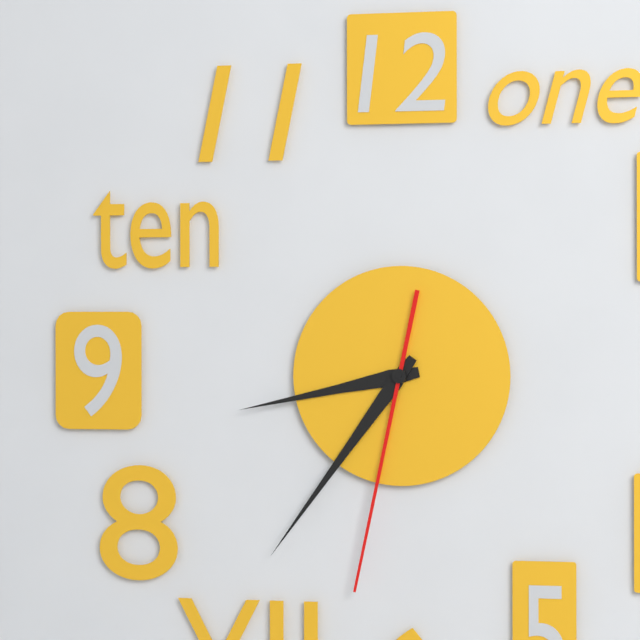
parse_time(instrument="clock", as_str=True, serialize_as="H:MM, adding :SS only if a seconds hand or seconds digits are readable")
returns 8:36:32
